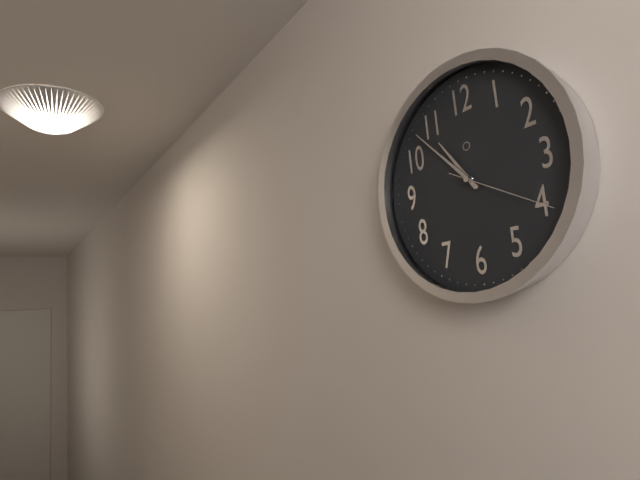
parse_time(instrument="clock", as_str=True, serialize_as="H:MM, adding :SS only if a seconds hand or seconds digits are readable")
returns 10:53:20
